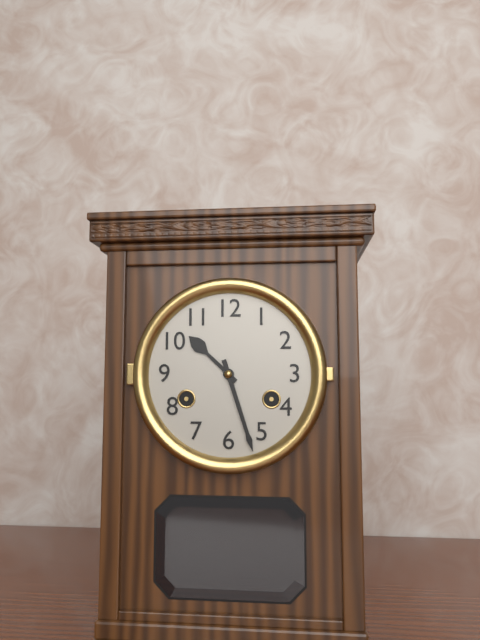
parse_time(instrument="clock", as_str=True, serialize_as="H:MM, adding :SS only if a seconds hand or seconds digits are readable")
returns 10:27
